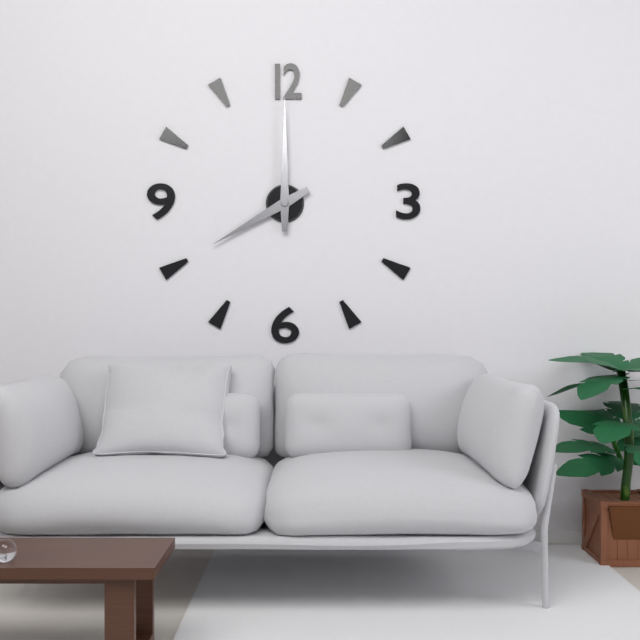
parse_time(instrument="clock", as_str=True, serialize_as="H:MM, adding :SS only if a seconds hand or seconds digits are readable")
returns 8:00
